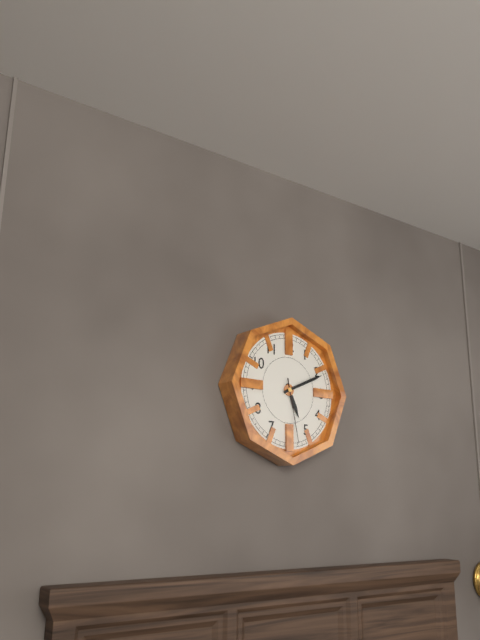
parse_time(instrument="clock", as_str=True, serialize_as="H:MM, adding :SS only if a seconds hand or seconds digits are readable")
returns 5:11:28
